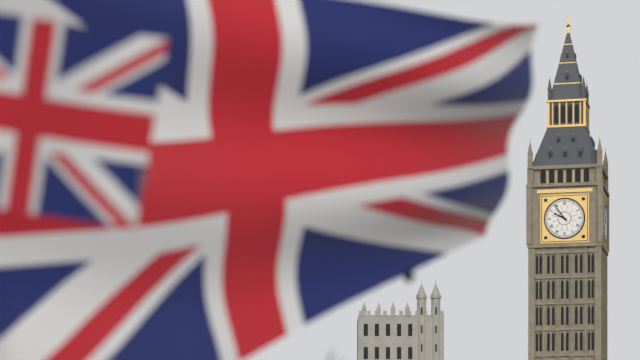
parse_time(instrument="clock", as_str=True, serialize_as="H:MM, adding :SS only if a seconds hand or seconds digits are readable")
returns 9:54
